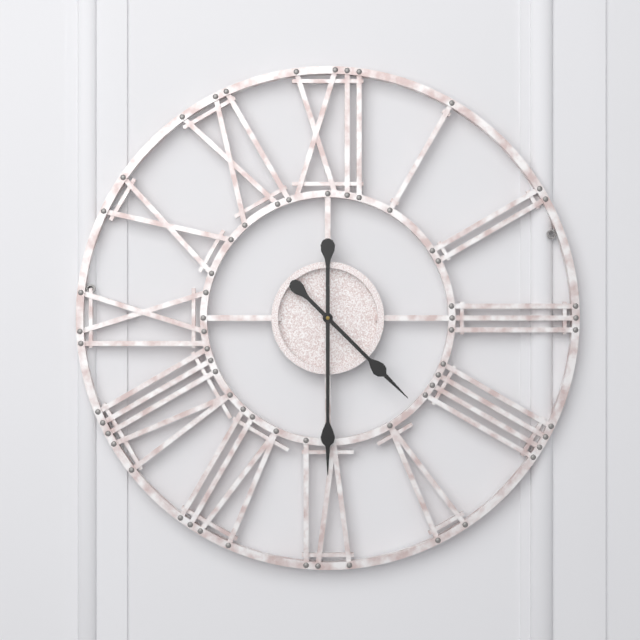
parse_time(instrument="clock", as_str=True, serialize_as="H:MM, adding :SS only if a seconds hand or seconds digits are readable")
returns 4:30
